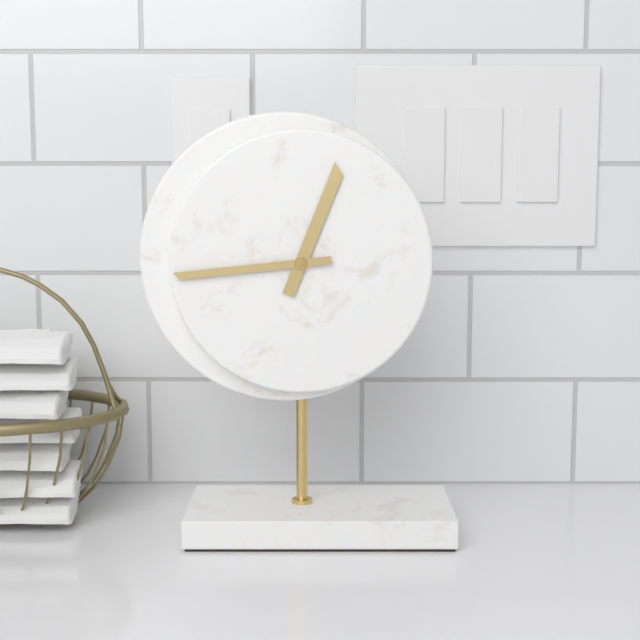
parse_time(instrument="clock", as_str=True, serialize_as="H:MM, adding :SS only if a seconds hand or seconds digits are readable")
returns 12:44
